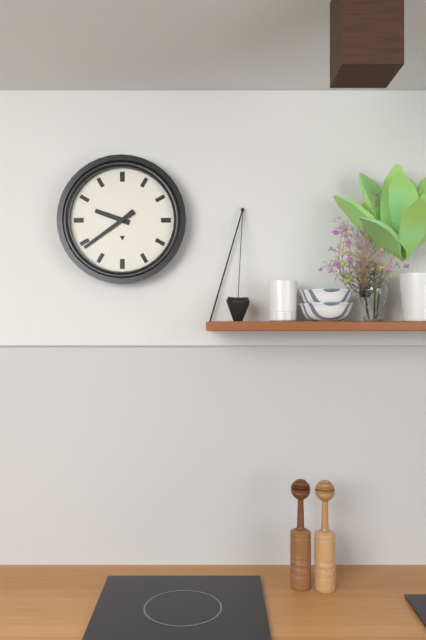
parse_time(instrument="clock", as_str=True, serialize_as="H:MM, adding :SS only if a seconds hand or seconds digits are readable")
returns 9:39
